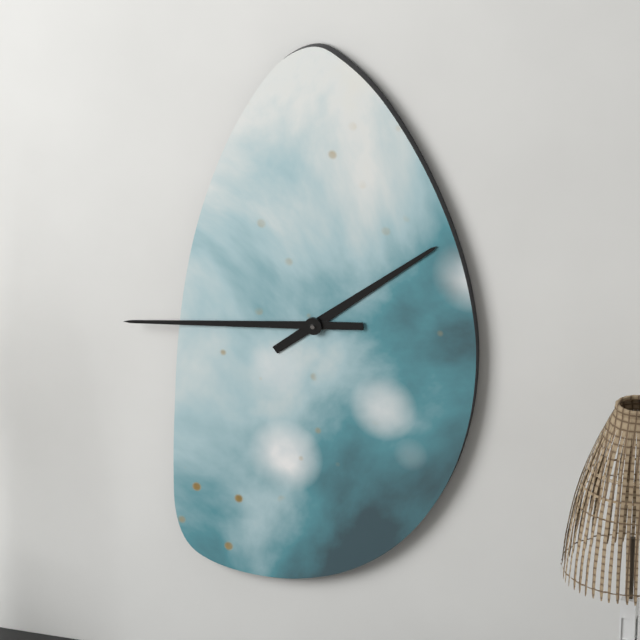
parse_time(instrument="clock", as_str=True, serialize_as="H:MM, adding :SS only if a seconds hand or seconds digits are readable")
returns 1:44
